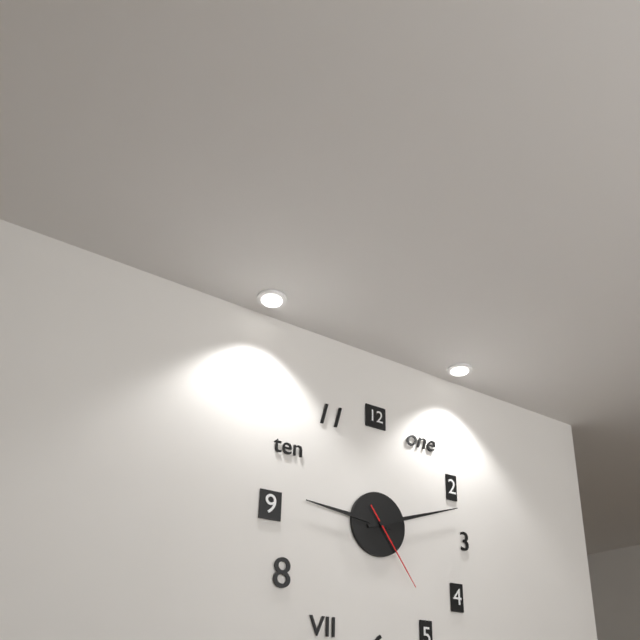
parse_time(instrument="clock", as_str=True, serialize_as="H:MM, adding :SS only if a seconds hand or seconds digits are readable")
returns 9:12:24
